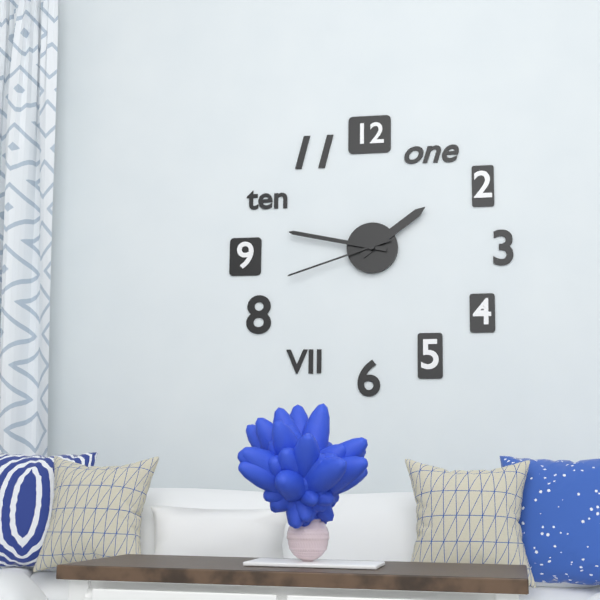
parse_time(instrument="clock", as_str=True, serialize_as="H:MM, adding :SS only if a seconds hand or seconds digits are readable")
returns 1:47:42
